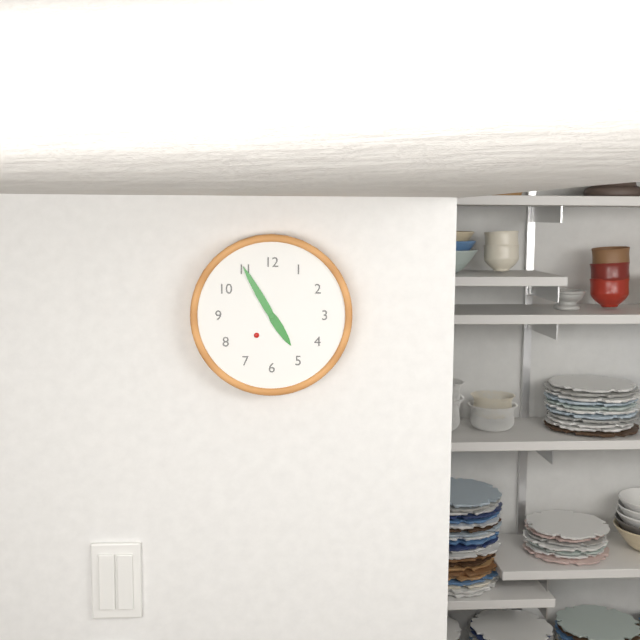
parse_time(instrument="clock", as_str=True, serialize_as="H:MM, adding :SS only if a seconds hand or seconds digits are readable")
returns 4:55
